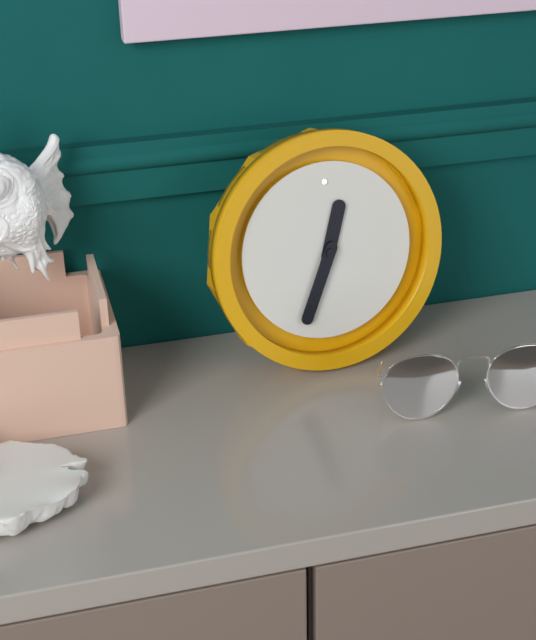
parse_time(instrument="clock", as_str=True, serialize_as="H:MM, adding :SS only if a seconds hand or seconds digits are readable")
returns 12:34
